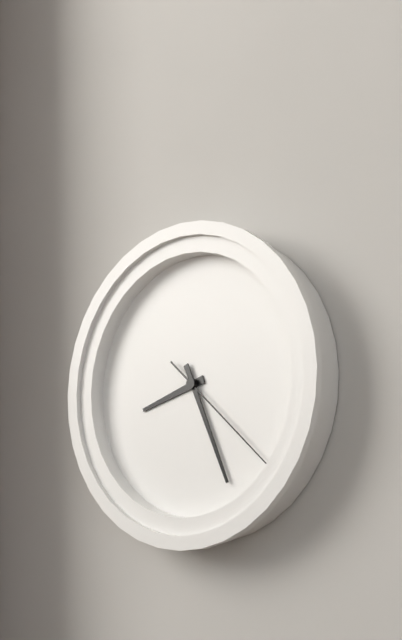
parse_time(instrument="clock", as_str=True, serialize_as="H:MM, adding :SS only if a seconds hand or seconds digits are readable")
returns 8:26:22
